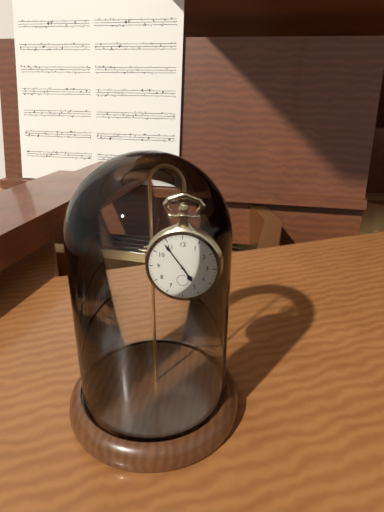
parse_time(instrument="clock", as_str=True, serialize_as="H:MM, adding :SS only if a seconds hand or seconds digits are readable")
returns 4:54
